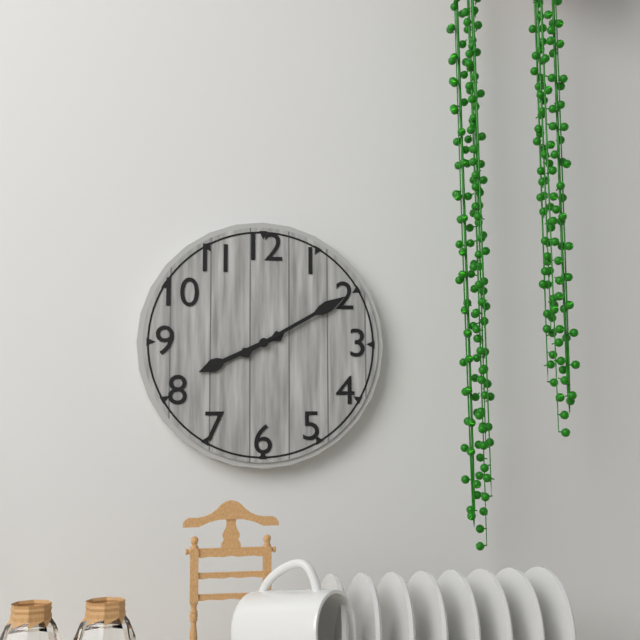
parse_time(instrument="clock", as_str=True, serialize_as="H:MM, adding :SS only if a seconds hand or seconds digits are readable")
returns 8:10
